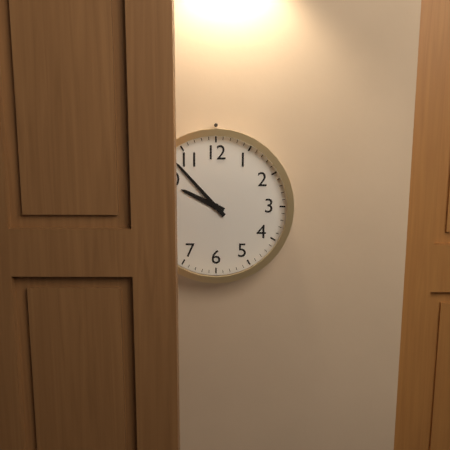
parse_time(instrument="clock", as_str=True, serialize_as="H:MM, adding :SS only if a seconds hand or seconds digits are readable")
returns 9:53
